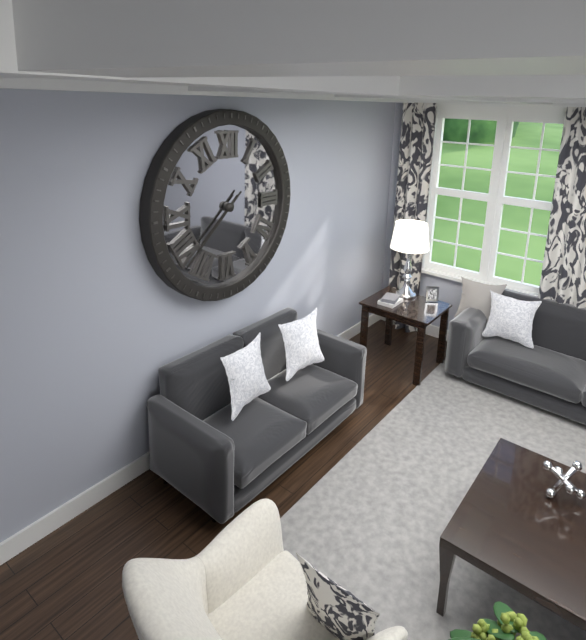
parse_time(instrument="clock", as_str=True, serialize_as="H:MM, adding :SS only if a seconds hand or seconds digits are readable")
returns 7:38
